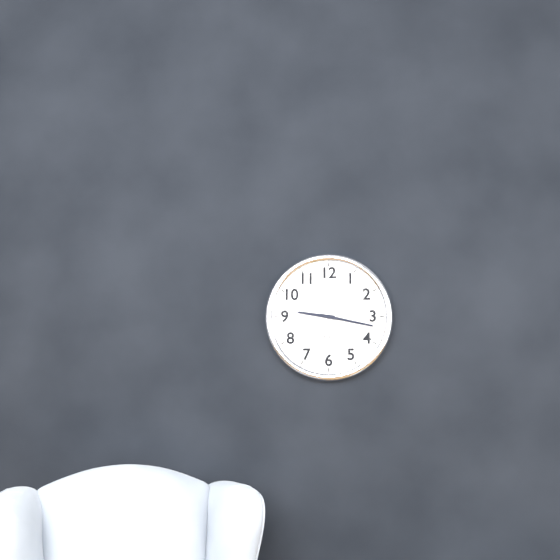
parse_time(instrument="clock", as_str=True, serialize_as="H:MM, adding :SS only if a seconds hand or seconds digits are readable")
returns 9:17
